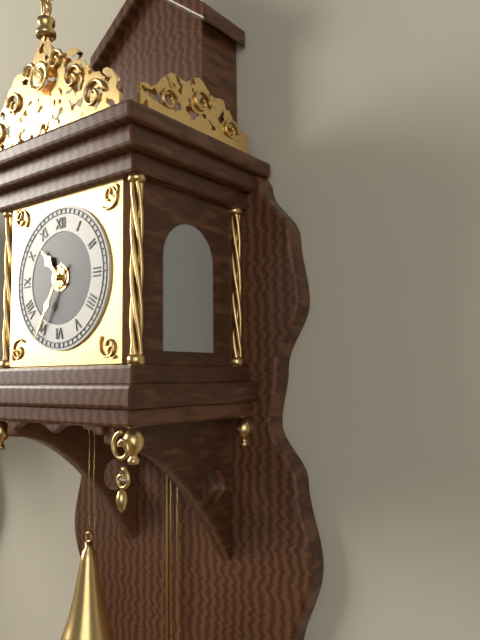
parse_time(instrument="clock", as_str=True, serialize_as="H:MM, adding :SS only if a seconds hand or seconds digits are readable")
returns 10:35
